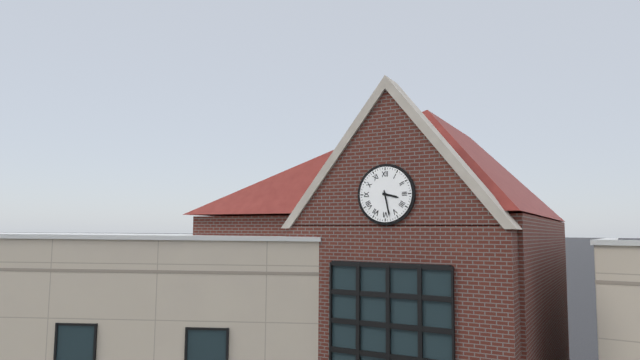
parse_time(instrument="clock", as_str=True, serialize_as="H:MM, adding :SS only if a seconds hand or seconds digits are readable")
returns 3:28
